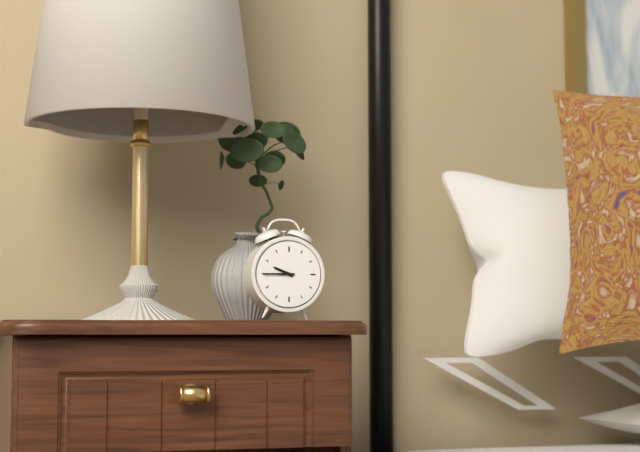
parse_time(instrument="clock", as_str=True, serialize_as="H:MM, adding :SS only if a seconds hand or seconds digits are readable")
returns 9:45
